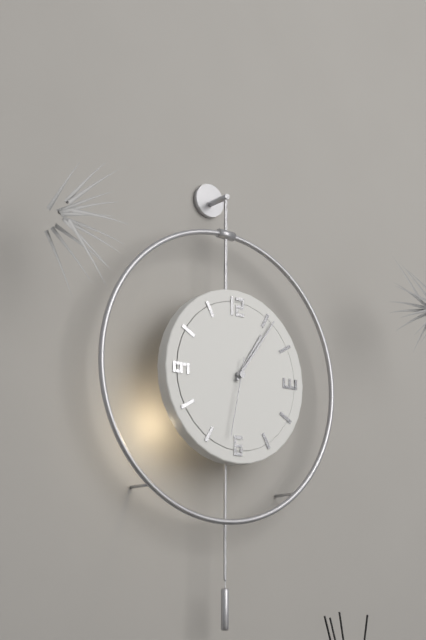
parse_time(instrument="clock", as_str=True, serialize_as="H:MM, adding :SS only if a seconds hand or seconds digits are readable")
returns 1:06:32
